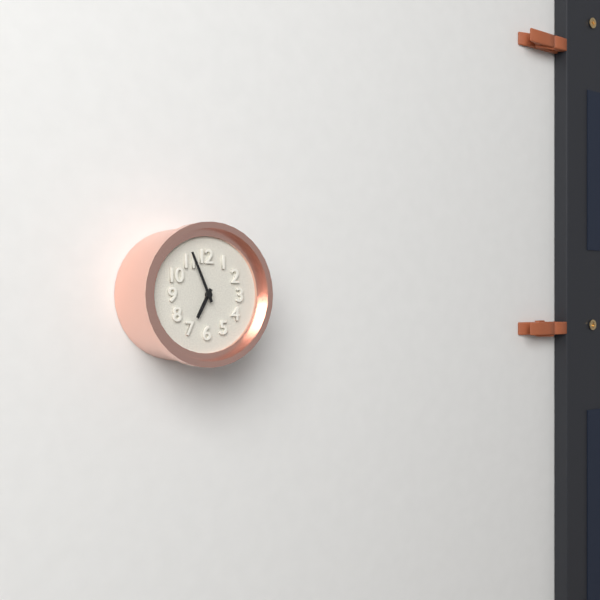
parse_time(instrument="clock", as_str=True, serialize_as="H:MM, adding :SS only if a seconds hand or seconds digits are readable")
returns 6:56
